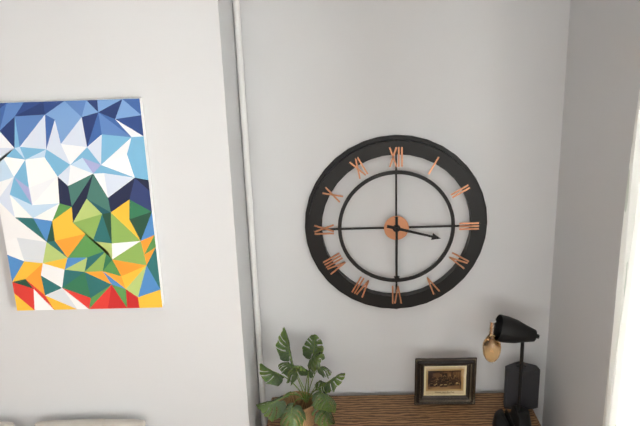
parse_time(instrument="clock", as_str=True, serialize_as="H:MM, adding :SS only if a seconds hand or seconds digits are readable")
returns 3:30
